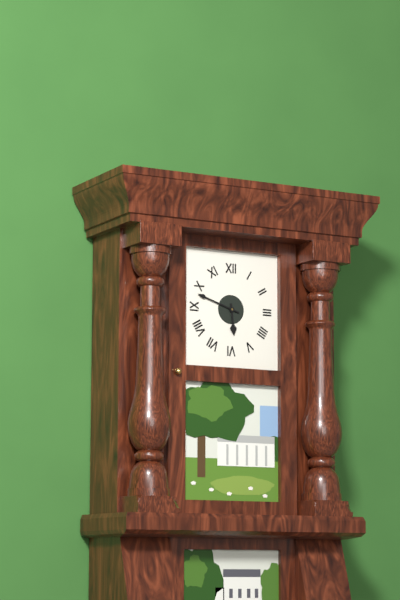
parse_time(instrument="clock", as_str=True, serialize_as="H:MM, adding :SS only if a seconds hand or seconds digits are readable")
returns 5:48
